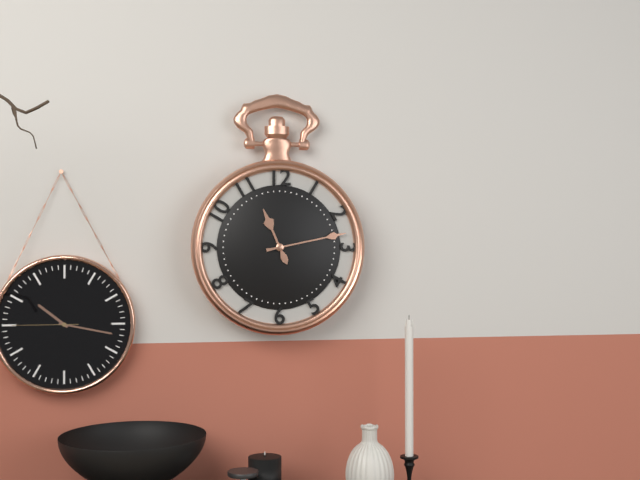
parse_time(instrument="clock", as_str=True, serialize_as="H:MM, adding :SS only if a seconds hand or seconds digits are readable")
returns 11:13
